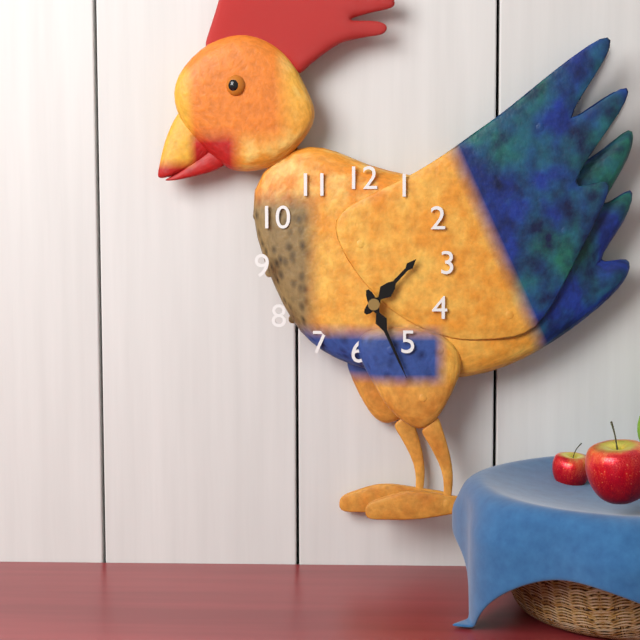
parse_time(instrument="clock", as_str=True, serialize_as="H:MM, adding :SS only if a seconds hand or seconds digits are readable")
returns 1:26
